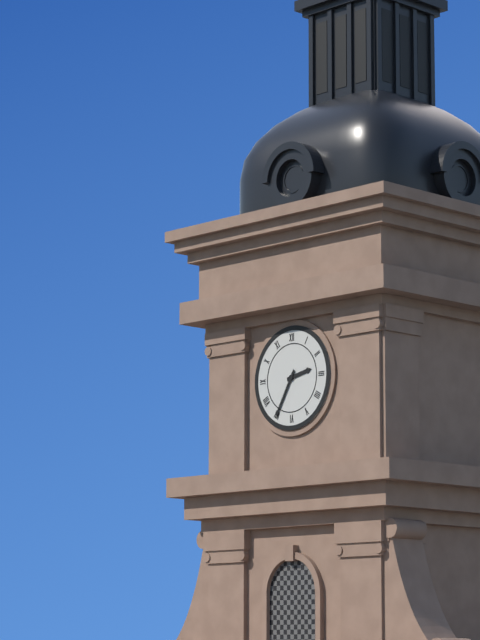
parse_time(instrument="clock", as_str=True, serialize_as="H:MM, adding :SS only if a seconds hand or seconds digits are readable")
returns 2:35
